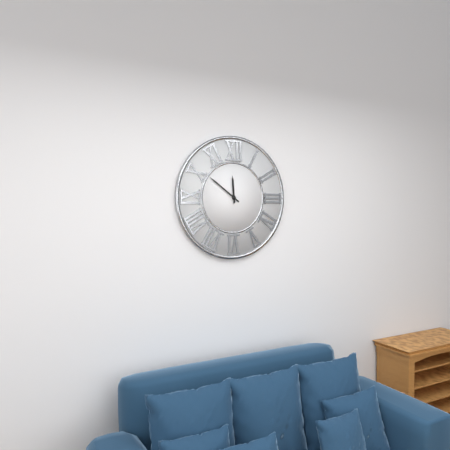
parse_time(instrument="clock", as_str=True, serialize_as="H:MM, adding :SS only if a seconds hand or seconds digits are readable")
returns 11:51
